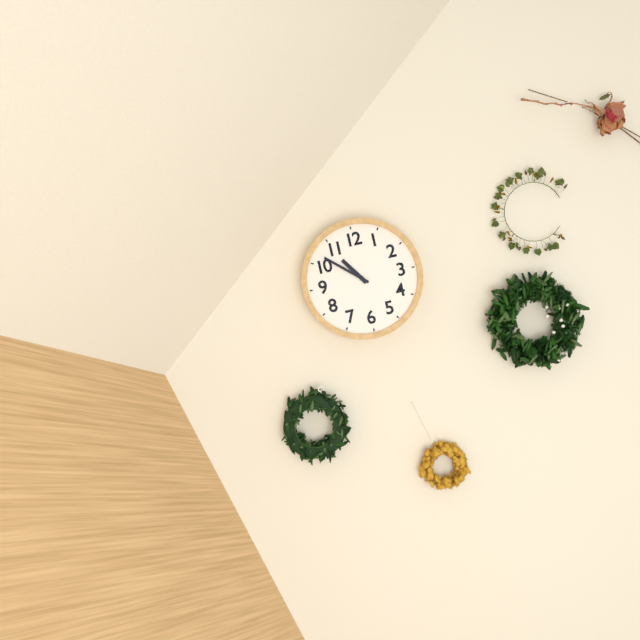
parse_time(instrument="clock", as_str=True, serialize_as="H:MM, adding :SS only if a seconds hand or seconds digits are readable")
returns 10:52
